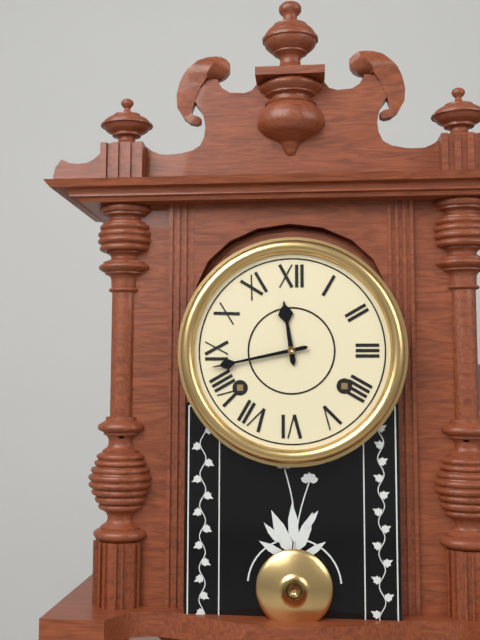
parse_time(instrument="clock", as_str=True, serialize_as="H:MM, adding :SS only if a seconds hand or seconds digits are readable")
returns 11:43
